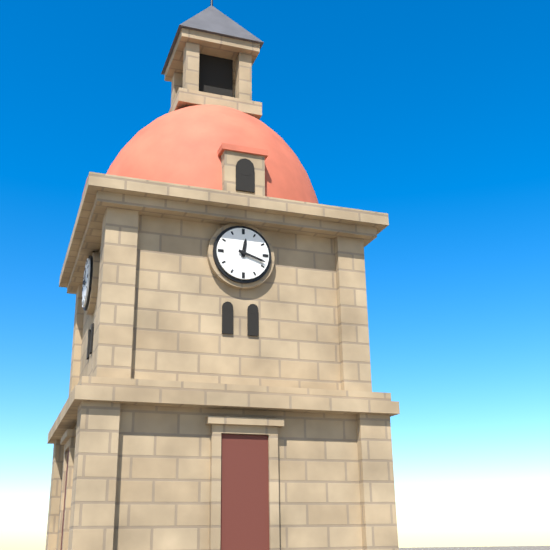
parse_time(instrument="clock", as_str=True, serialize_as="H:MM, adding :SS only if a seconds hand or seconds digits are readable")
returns 12:18
